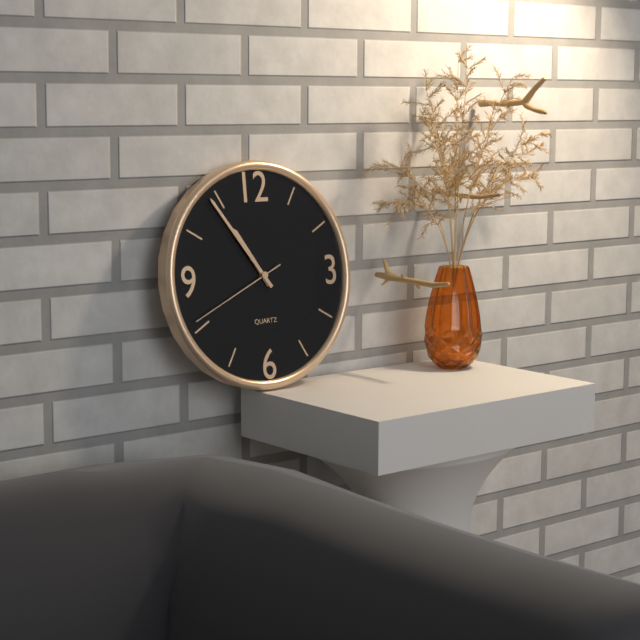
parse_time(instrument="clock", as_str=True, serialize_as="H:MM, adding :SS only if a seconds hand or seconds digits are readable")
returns 10:54:41
